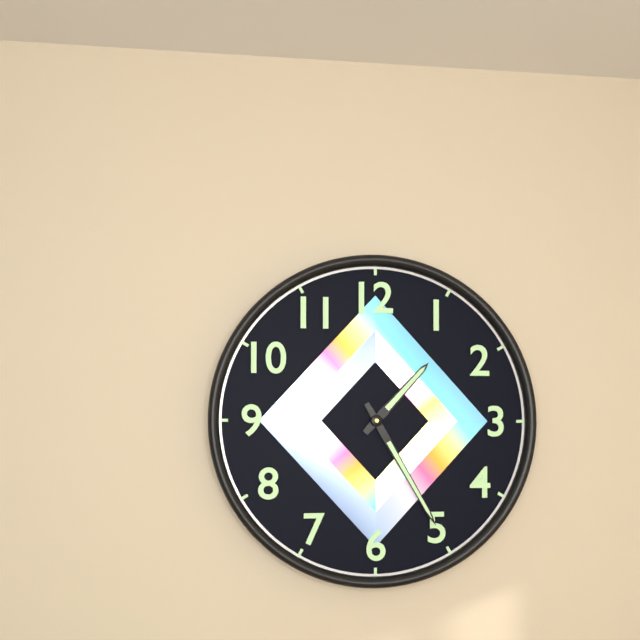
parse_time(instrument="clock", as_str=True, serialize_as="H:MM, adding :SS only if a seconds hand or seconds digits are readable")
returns 1:25
